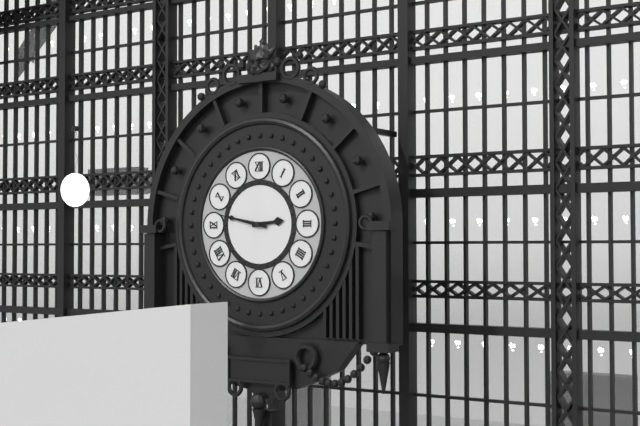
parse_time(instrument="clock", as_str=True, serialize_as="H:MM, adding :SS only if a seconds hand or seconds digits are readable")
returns 2:47
